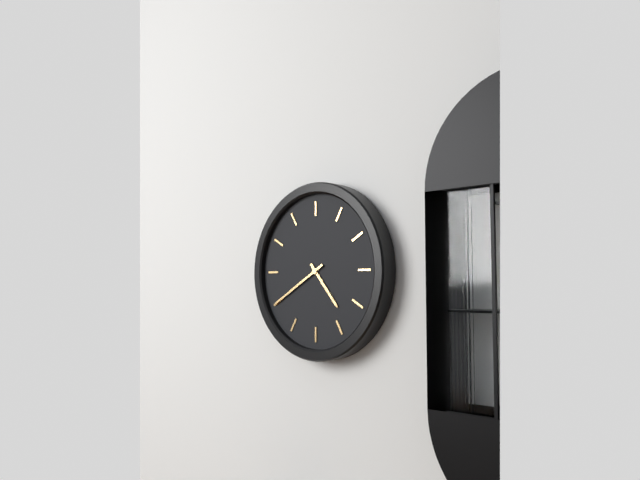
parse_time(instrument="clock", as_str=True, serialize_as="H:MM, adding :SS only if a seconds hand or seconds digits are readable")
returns 4:40
